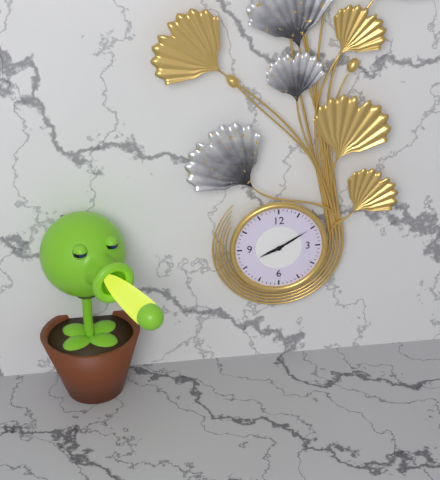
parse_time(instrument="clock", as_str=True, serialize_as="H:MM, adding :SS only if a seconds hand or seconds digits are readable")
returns 8:10
